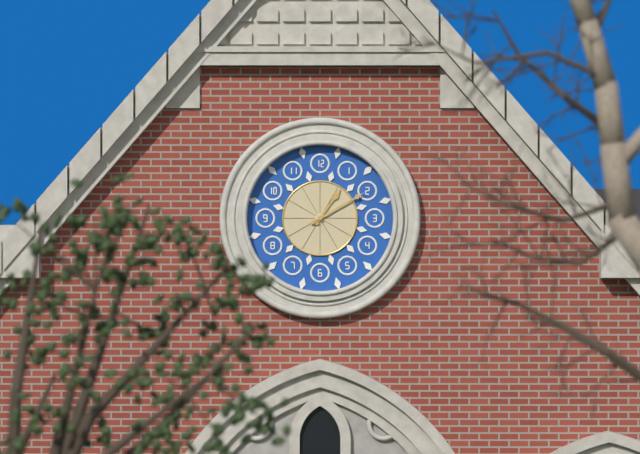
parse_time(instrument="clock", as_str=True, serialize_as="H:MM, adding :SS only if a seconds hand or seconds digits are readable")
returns 1:10
